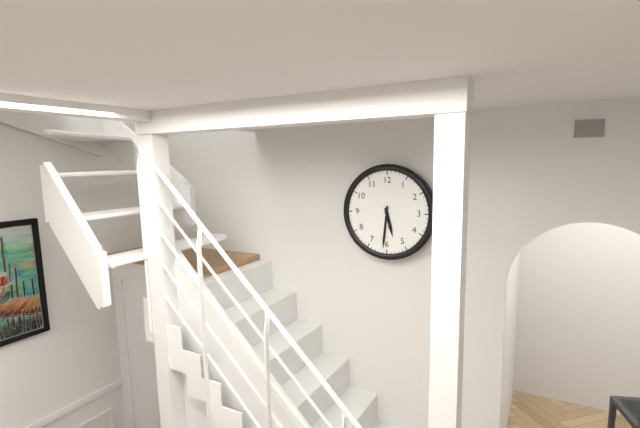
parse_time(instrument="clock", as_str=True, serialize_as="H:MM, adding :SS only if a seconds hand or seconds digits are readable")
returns 5:31
